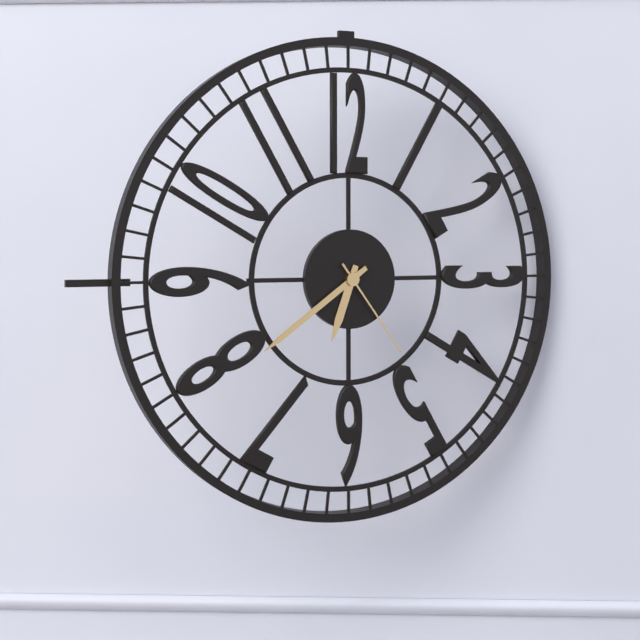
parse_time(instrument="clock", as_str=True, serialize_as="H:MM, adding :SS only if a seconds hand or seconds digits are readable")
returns 6:39:24
